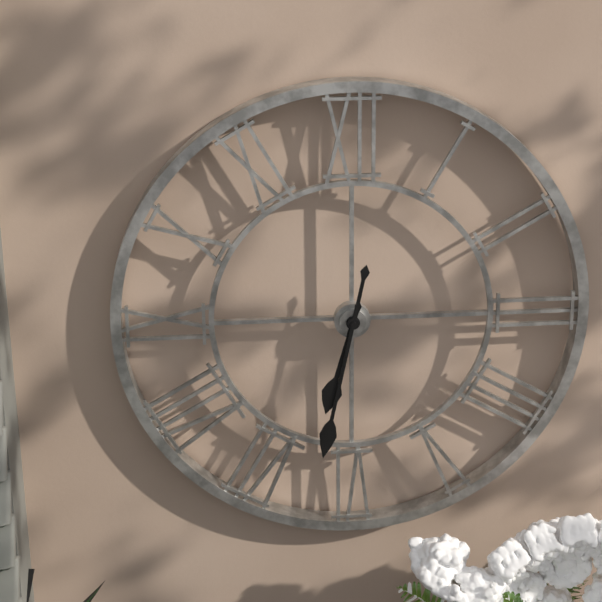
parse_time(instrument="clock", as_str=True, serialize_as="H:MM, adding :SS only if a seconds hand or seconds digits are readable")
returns 6:32
